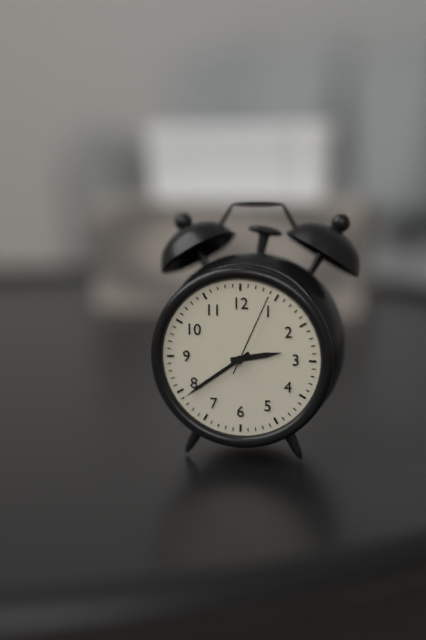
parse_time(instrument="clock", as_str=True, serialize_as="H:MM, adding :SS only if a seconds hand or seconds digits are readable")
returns 2:39:04
